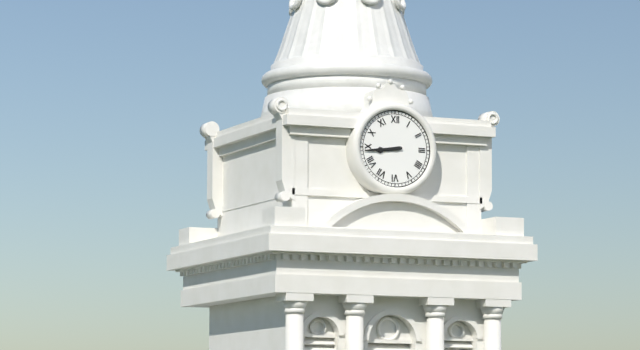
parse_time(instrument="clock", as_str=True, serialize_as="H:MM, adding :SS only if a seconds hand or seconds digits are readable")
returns 8:44
